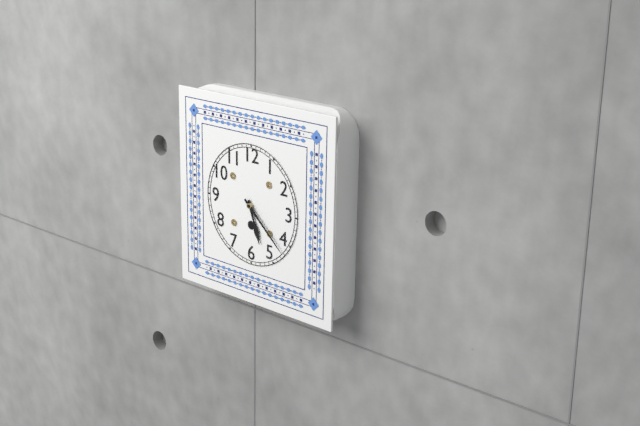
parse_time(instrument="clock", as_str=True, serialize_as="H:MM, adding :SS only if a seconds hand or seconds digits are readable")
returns 5:22
